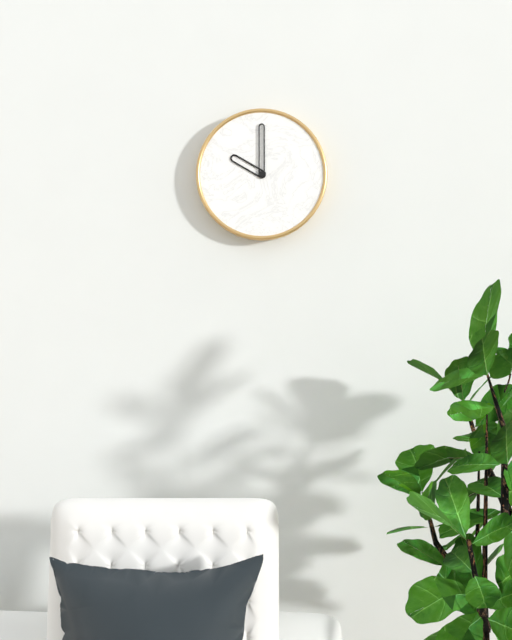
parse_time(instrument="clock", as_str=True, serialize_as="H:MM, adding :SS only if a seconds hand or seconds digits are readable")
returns 10:00
